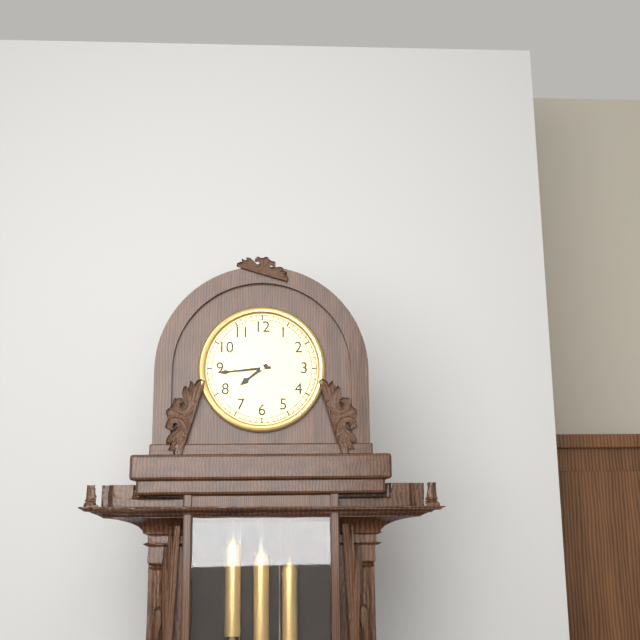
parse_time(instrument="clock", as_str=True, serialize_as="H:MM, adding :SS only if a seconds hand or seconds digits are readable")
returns 7:44
